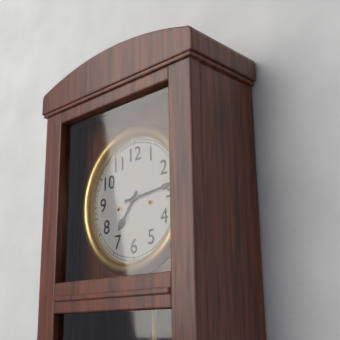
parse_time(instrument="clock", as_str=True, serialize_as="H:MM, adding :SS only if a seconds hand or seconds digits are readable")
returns 7:14
